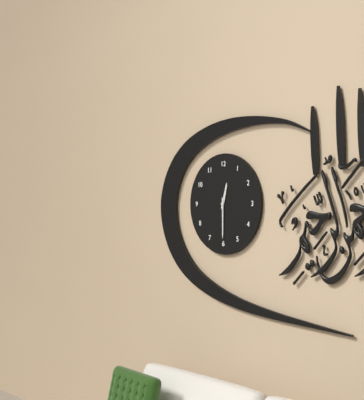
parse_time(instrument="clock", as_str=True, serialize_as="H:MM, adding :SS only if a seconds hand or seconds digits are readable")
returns 12:30
